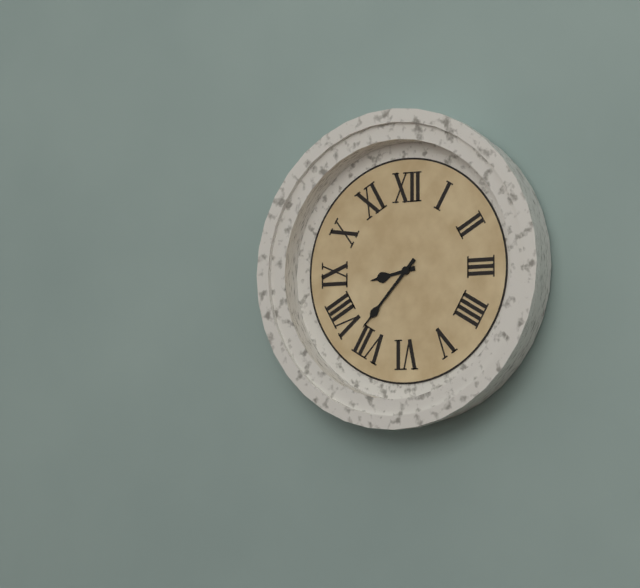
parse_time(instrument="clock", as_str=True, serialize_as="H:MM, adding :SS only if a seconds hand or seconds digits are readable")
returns 8:37
